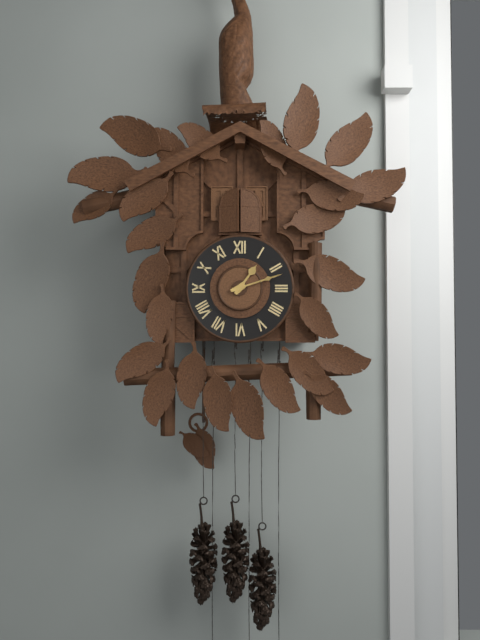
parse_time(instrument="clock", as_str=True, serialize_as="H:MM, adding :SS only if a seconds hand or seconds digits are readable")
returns 1:12
